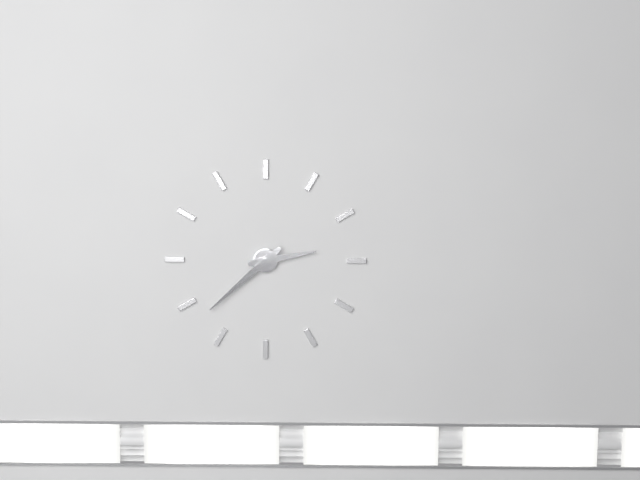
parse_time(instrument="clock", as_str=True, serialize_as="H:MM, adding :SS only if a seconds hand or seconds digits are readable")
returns 2:38
